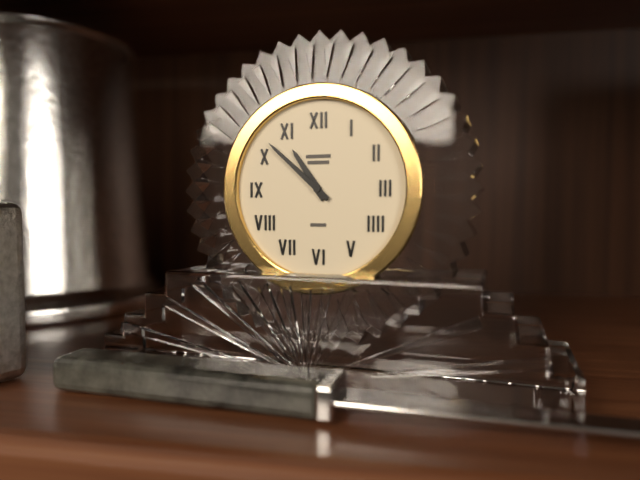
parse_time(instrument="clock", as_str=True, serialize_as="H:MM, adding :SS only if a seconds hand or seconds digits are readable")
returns 10:52
